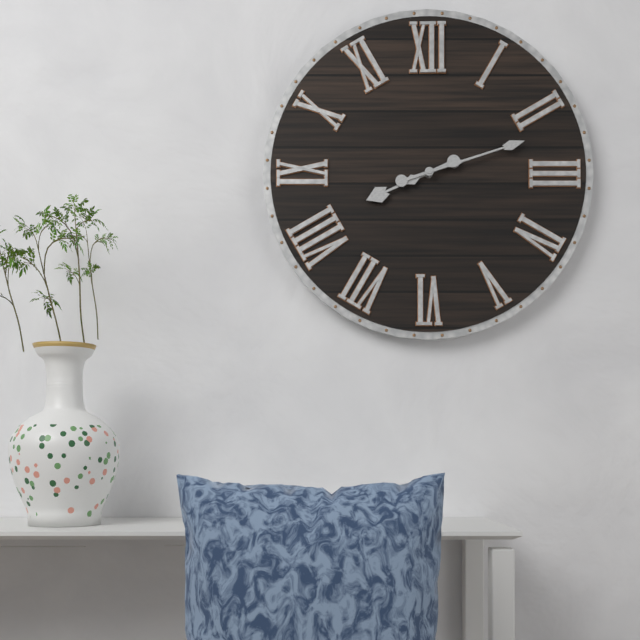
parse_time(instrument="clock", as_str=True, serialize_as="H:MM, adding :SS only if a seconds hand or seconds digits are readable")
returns 8:12
